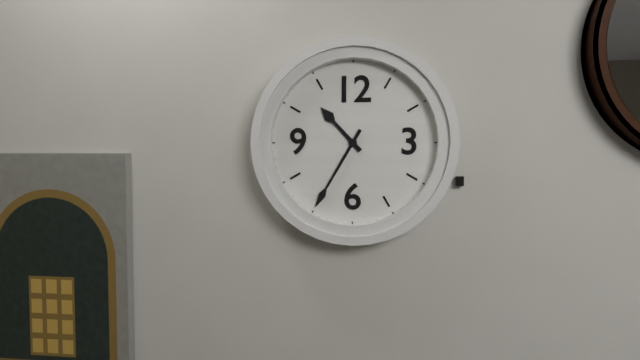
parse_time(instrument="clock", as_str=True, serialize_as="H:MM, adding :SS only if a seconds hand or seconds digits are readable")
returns 10:35
